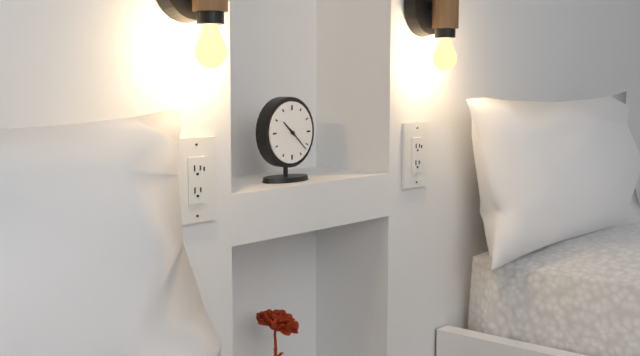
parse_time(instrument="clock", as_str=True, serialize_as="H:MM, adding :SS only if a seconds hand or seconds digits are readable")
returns 10:22
